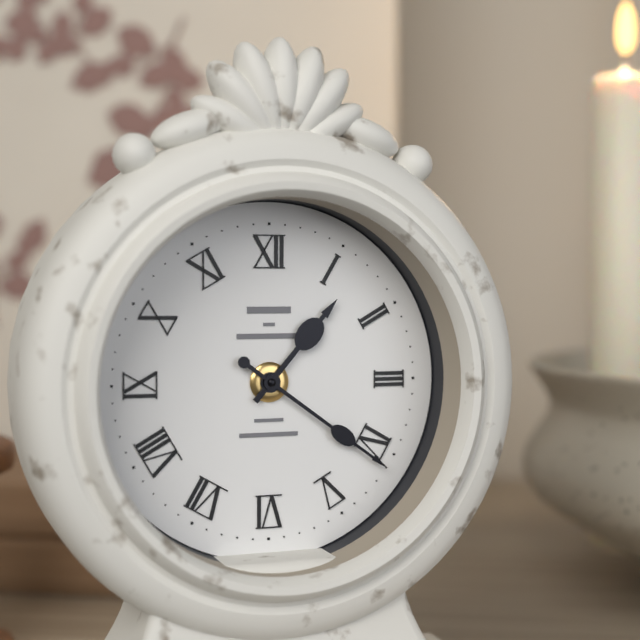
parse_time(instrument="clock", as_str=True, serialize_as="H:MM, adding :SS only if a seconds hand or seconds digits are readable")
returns 1:21
